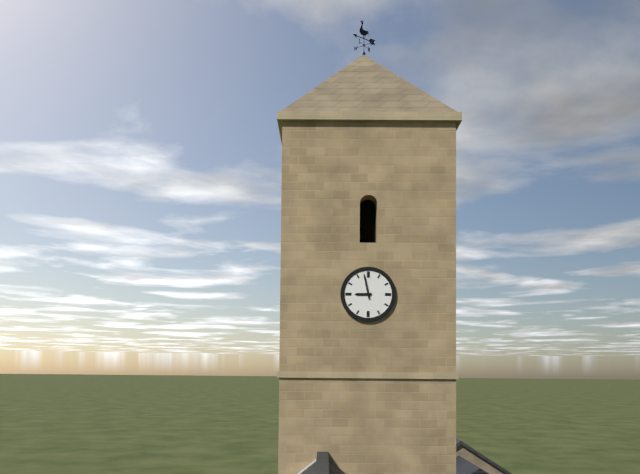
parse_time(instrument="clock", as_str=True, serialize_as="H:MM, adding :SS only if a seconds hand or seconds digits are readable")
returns 8:58
